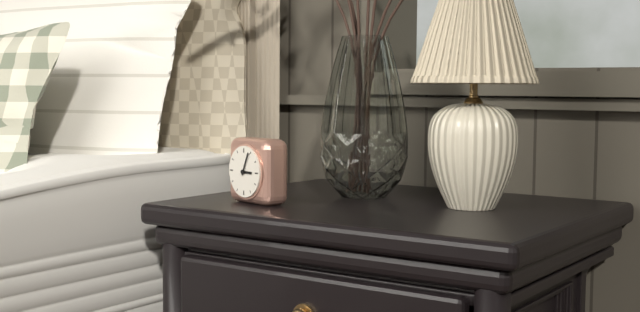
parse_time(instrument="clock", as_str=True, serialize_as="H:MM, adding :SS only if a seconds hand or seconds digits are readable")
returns 3:04
